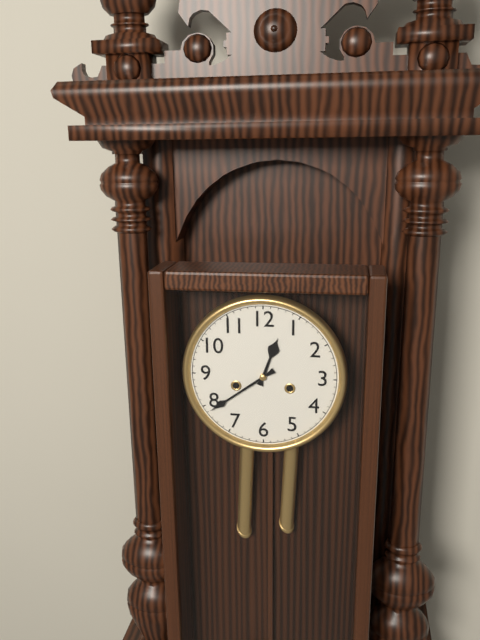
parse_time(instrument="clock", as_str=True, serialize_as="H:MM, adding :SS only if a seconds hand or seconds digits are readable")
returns 12:39
